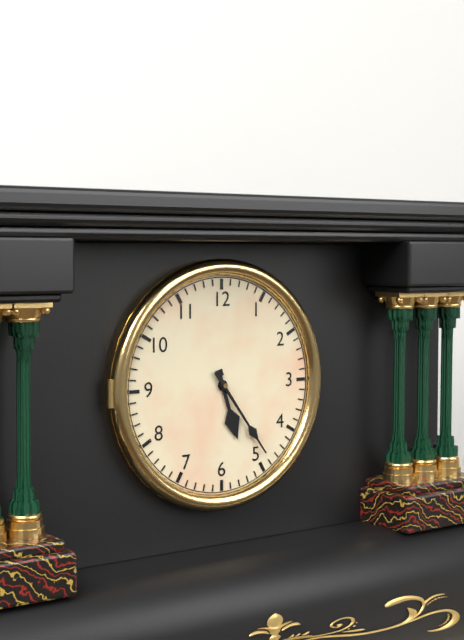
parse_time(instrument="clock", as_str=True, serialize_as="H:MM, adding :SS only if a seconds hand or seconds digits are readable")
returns 5:24
